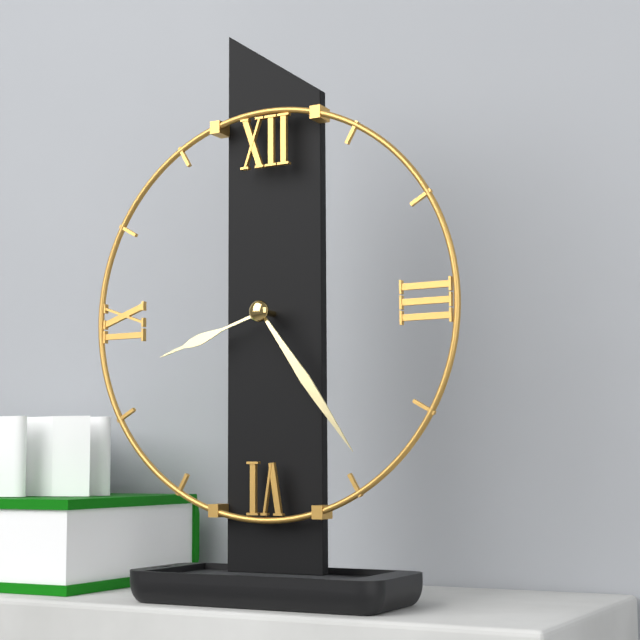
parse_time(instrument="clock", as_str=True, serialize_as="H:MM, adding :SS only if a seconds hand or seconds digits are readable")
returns 8:24
